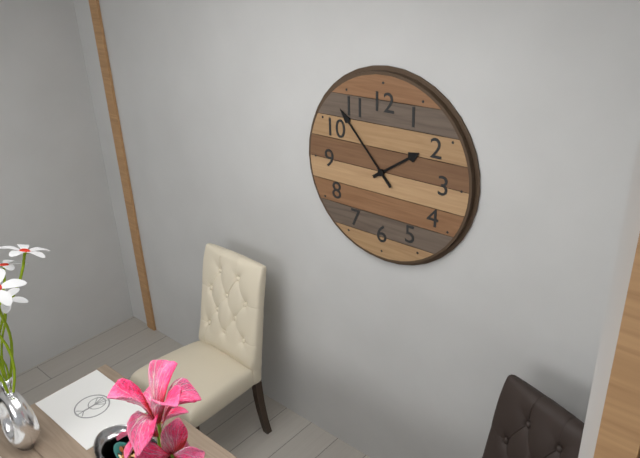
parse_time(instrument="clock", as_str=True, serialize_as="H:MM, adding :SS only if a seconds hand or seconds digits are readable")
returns 1:53
